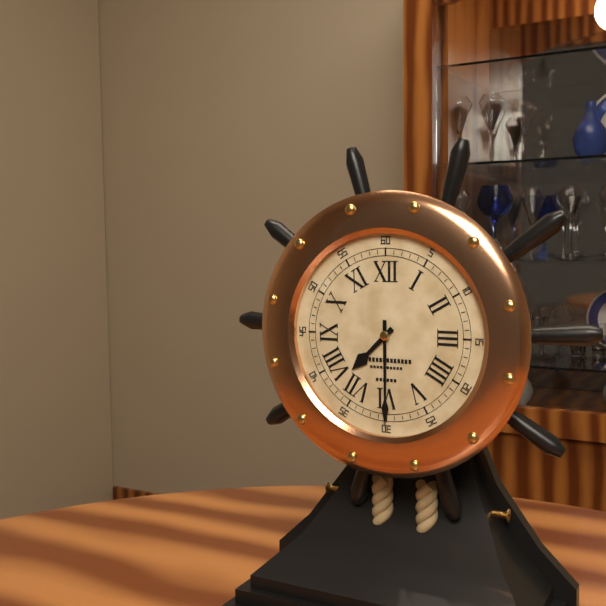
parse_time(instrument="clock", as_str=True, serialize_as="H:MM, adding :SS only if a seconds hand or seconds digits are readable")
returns 7:30
